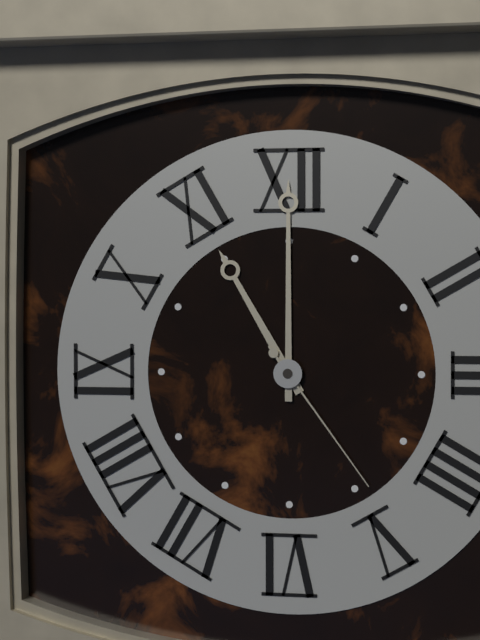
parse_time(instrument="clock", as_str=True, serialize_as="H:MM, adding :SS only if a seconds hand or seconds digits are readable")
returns 11:00:24
